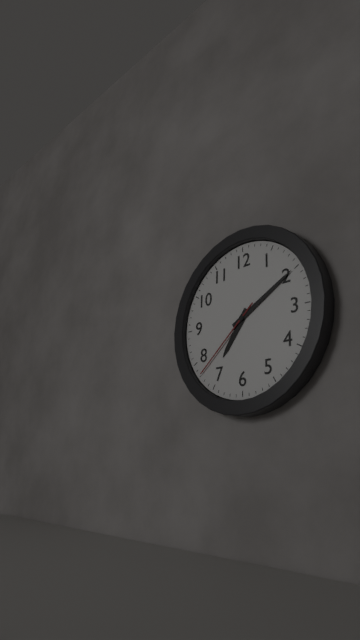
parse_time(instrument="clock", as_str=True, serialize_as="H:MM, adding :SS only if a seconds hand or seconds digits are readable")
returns 7:10:38
